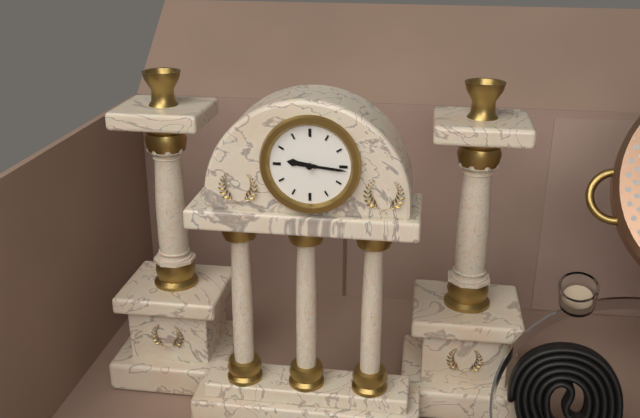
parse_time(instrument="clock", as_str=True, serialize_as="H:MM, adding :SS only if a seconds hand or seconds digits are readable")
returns 9:16
